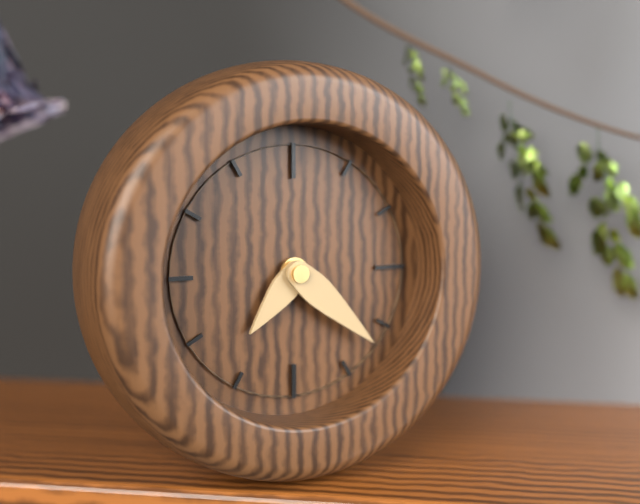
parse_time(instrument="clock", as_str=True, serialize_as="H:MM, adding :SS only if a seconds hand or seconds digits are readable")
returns 7:22
